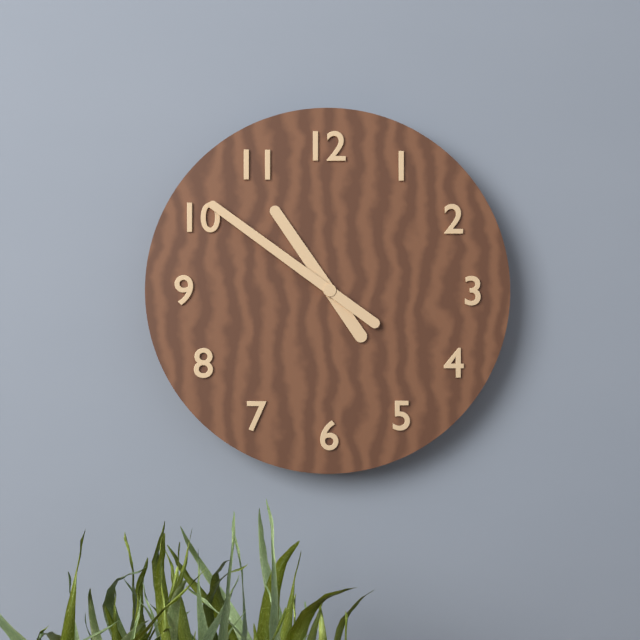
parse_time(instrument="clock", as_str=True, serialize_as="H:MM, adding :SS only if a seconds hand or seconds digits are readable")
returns 10:51
